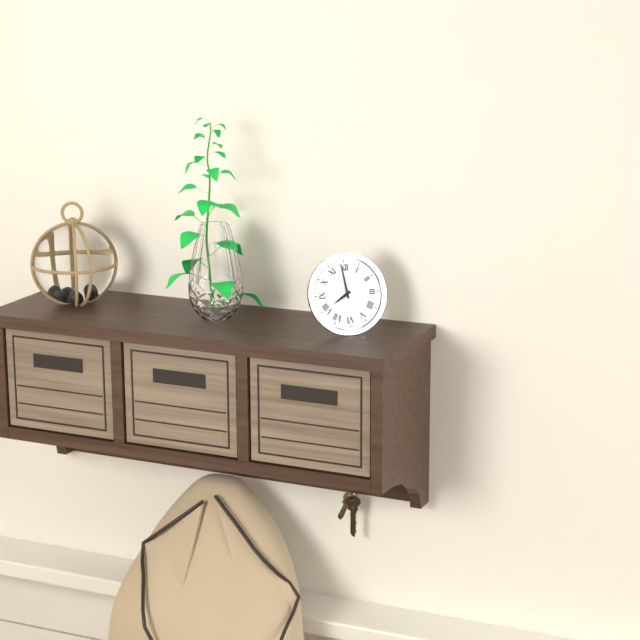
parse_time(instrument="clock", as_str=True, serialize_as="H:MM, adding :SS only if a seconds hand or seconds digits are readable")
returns 7:59
